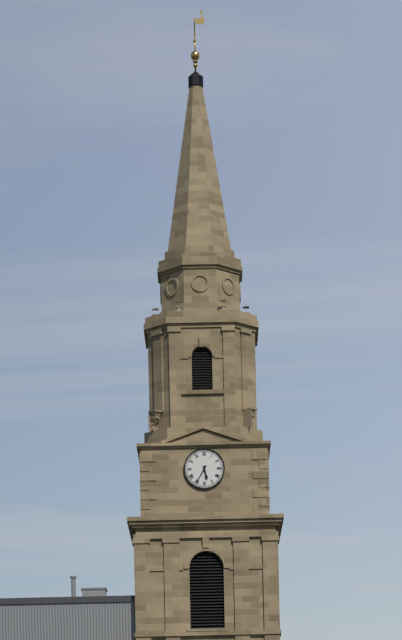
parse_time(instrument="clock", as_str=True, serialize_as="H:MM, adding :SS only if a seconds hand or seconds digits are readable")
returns 5:35
